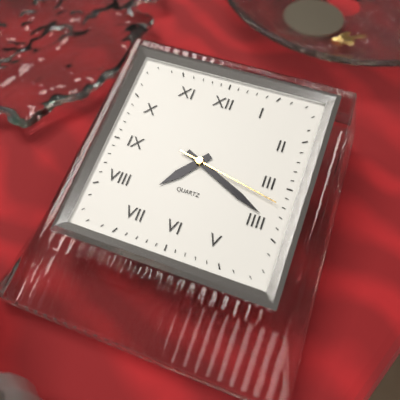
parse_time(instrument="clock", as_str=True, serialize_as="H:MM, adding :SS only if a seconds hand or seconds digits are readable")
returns 7:19:17
